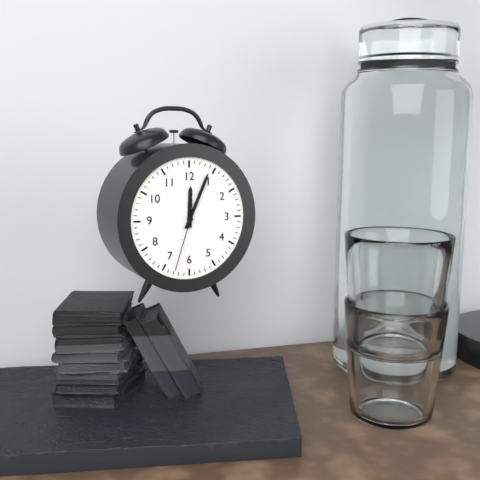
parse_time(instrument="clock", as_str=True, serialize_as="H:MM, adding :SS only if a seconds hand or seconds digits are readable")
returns 12:04:33
